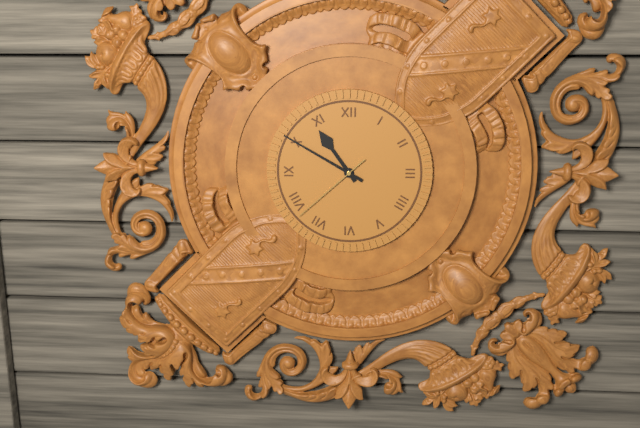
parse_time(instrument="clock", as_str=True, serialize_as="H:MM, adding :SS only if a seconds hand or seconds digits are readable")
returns 10:50:38
